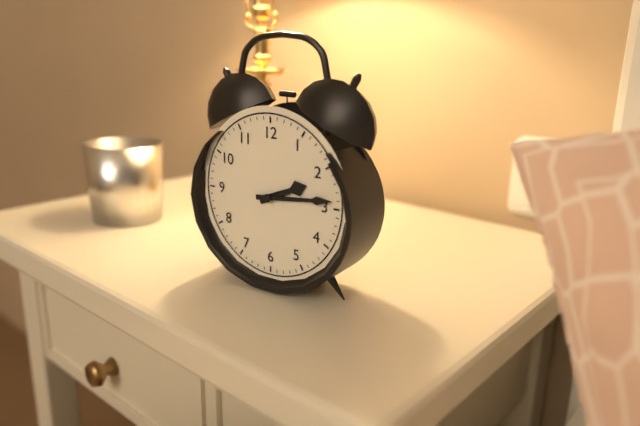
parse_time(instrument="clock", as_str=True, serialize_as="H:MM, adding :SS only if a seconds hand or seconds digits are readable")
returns 2:14
